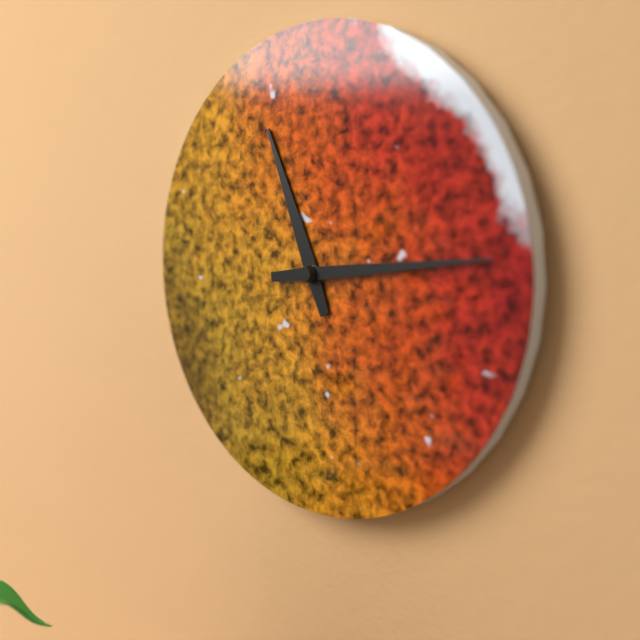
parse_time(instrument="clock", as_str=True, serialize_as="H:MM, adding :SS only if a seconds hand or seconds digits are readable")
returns 11:14
